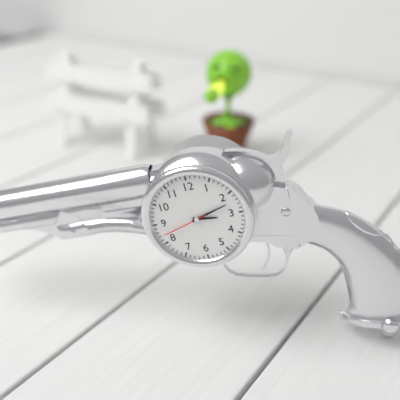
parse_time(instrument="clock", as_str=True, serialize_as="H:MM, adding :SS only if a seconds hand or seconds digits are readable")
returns 3:12
